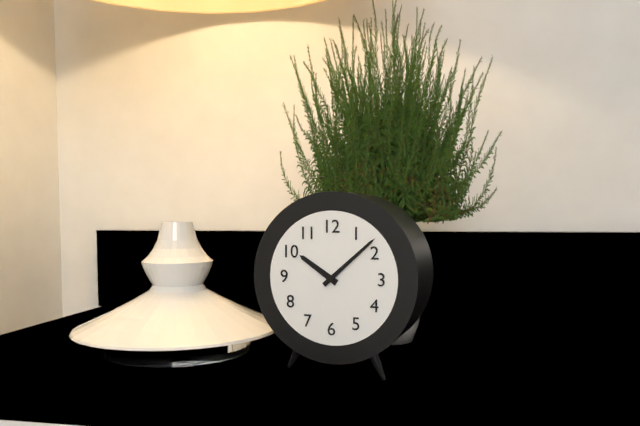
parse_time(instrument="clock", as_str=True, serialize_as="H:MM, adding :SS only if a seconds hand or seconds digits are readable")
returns 10:08
